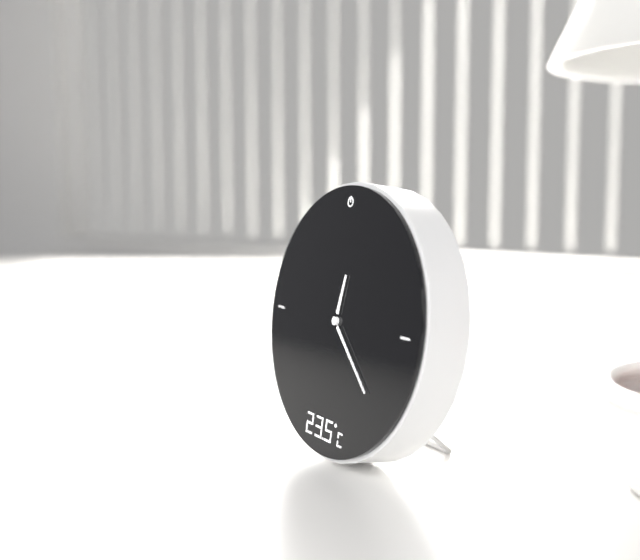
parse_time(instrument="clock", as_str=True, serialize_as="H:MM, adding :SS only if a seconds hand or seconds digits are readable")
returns 12:22
